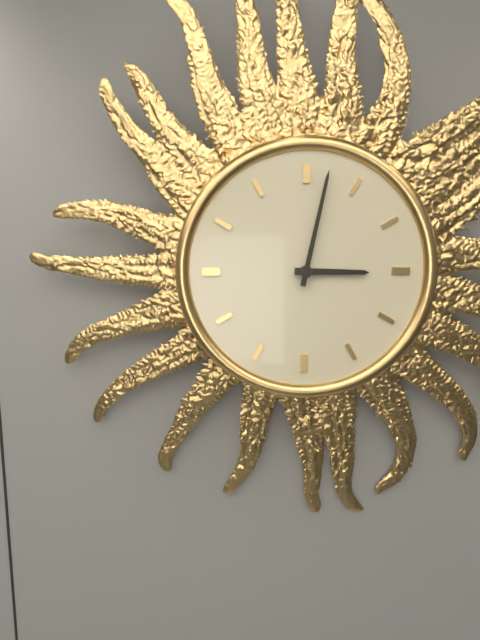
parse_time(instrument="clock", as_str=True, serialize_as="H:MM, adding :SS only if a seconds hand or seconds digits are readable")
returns 3:02
